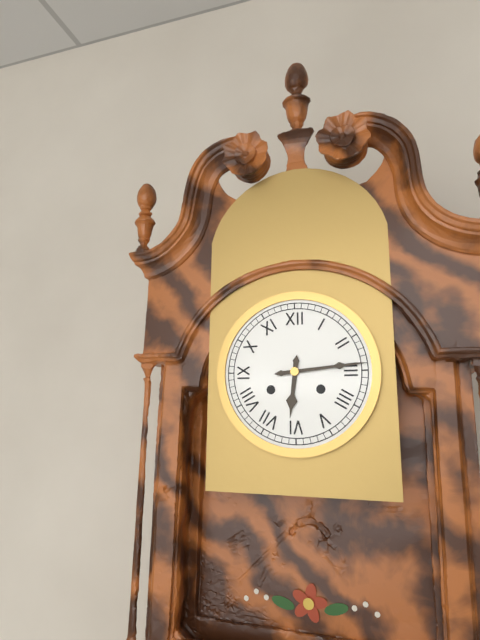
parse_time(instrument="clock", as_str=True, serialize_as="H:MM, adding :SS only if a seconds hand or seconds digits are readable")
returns 6:14
